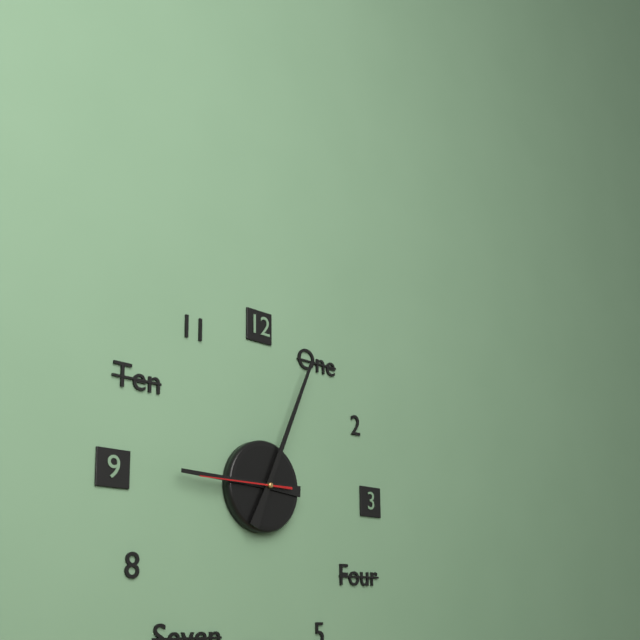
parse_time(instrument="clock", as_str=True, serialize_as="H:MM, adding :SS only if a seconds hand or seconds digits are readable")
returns 9:04:45
